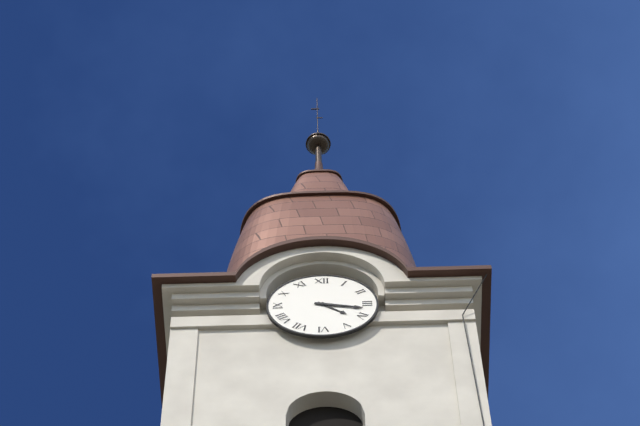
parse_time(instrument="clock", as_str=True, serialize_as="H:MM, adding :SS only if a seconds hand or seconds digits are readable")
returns 4:17
